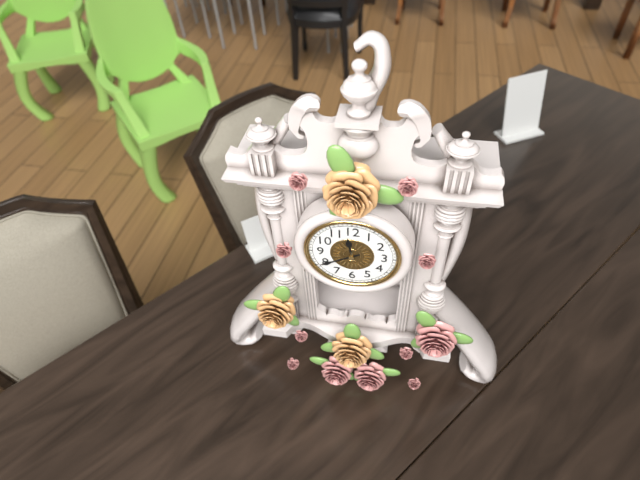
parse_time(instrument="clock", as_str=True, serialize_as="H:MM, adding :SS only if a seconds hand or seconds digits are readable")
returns 11:40
